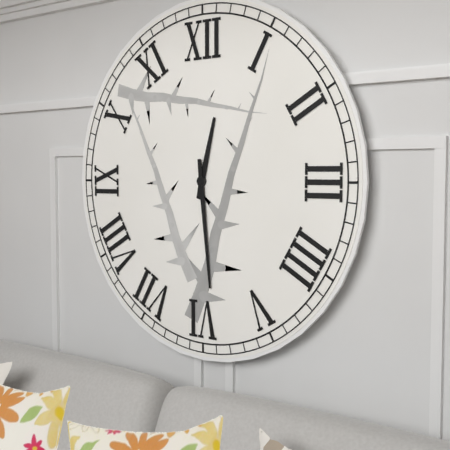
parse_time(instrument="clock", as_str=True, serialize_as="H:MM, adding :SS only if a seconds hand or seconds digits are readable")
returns 12:29
